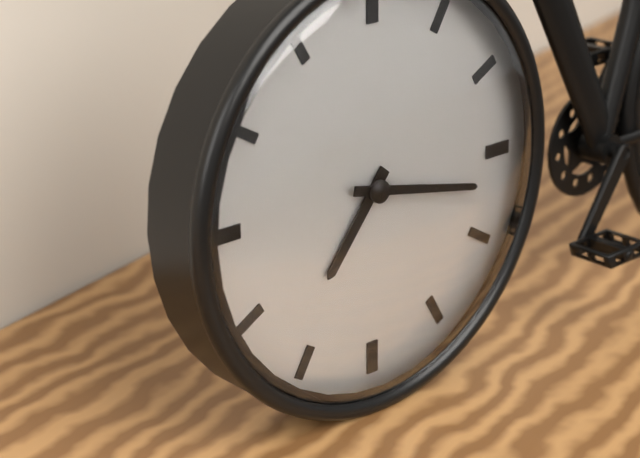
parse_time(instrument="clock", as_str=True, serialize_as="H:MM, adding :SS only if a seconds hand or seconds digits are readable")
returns 7:17
